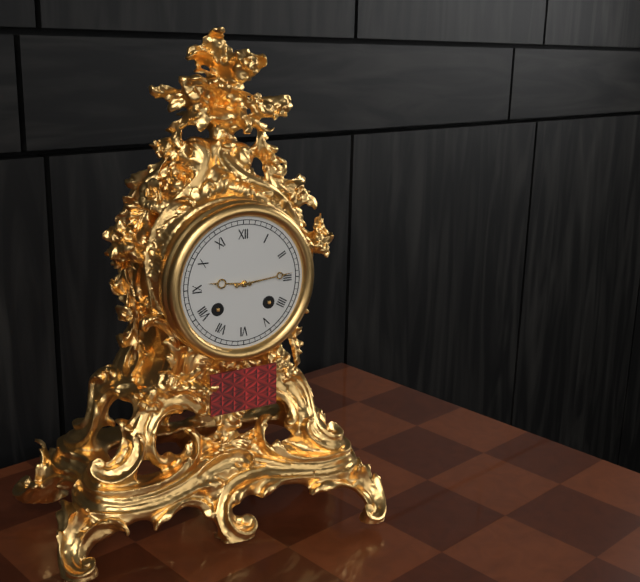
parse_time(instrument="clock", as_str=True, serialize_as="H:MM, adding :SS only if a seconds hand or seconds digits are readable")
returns 9:14
